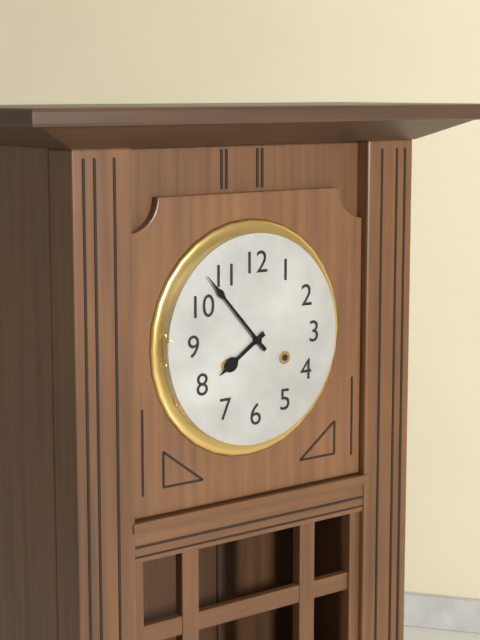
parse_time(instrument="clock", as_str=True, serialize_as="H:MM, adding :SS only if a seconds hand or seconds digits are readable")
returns 7:53
